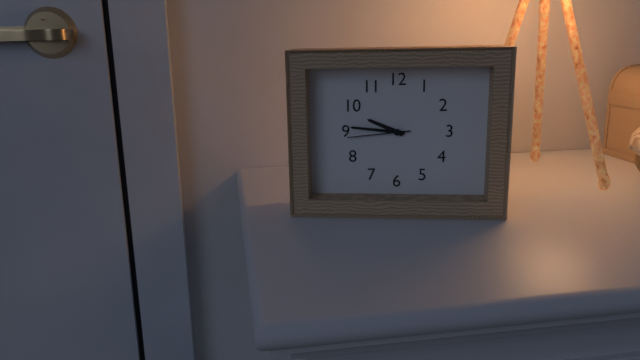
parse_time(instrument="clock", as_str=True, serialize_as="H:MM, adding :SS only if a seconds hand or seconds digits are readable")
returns 9:46:44
